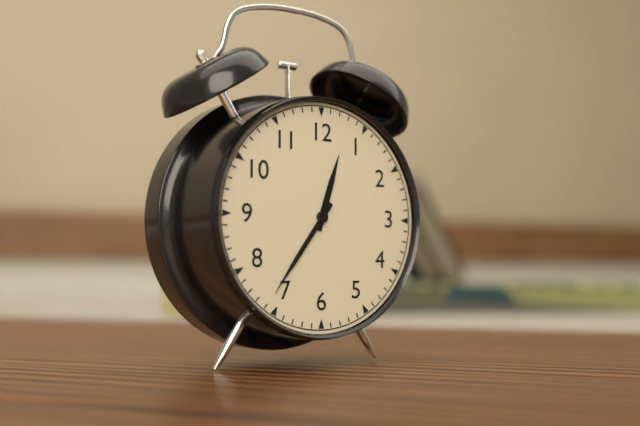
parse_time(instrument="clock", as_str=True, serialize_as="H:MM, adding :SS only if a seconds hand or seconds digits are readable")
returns 12:36
